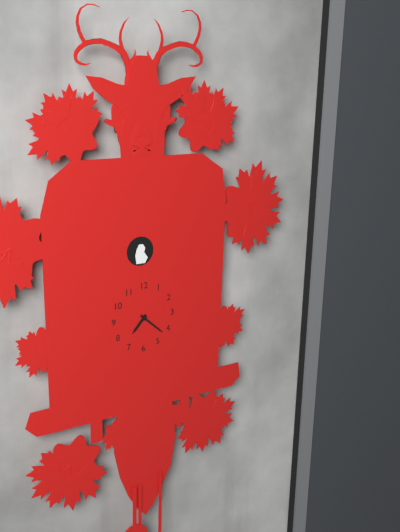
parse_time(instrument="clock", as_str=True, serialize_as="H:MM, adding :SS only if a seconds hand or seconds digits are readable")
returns 7:22
